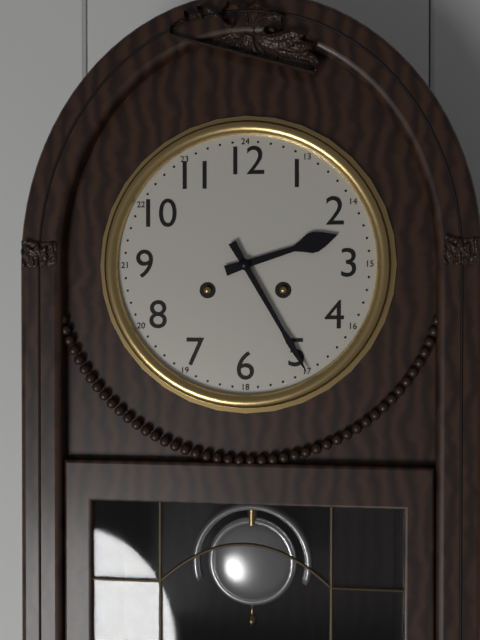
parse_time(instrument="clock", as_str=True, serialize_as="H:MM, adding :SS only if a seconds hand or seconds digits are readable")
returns 2:25
